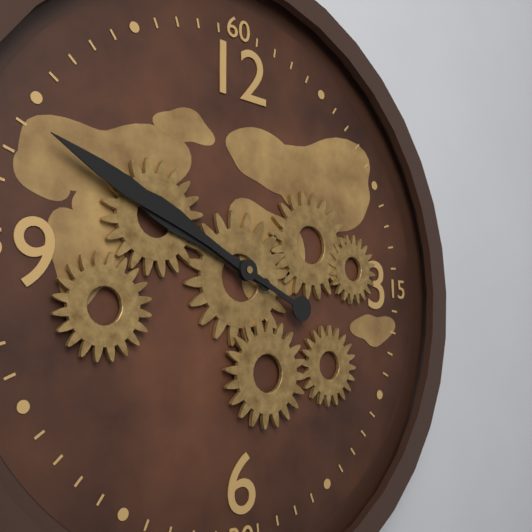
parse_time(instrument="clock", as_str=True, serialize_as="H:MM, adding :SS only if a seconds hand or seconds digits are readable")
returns 9:49
